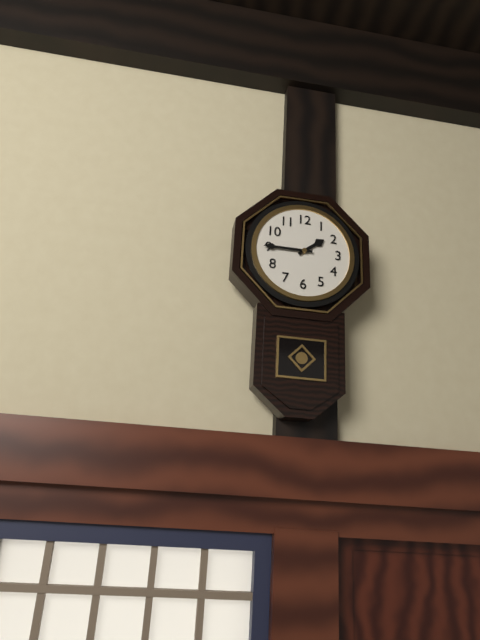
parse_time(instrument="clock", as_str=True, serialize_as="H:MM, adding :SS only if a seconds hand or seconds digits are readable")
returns 1:45
